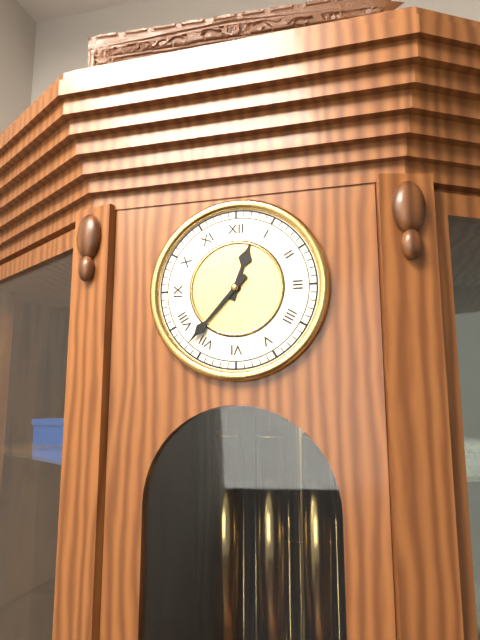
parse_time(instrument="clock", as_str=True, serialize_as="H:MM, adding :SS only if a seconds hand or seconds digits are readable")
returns 12:37
